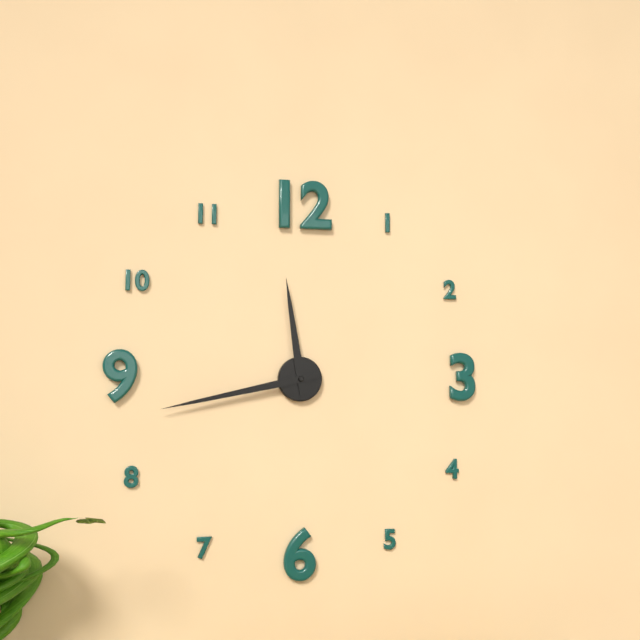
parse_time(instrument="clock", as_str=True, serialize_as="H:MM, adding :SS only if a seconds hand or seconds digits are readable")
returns 11:43
